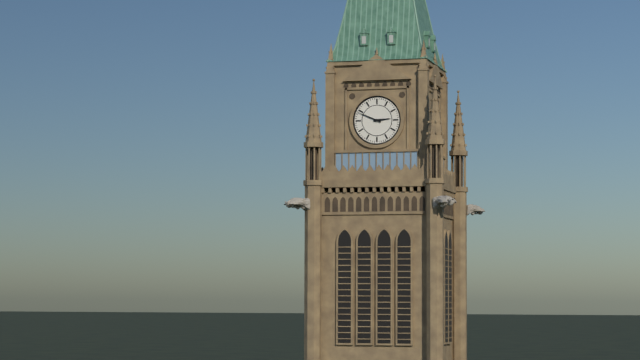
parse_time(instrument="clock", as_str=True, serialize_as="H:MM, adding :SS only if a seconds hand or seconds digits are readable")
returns 2:49
